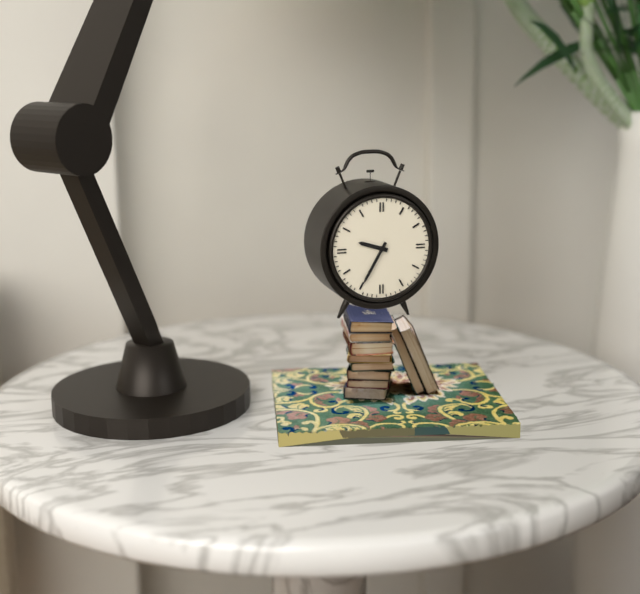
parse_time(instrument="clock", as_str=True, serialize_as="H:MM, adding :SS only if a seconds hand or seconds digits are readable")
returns 9:35
